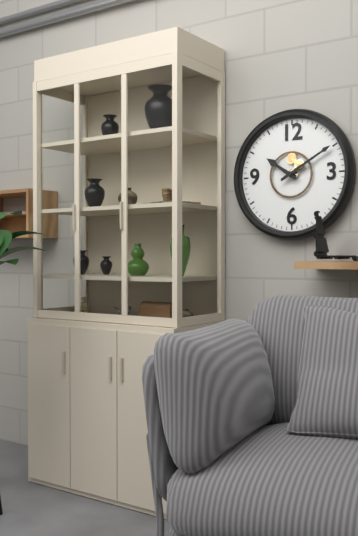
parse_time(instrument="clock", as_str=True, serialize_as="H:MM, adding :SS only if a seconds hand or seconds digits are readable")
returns 10:10
